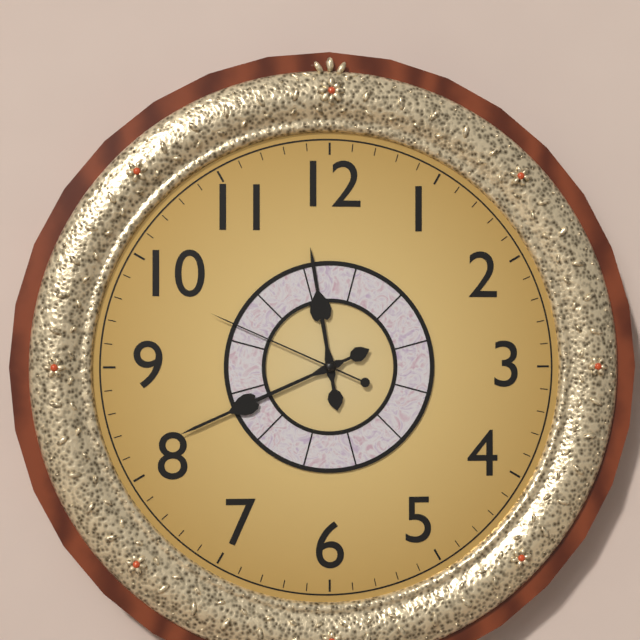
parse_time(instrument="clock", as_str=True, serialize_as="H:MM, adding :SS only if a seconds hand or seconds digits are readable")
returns 11:41:49
